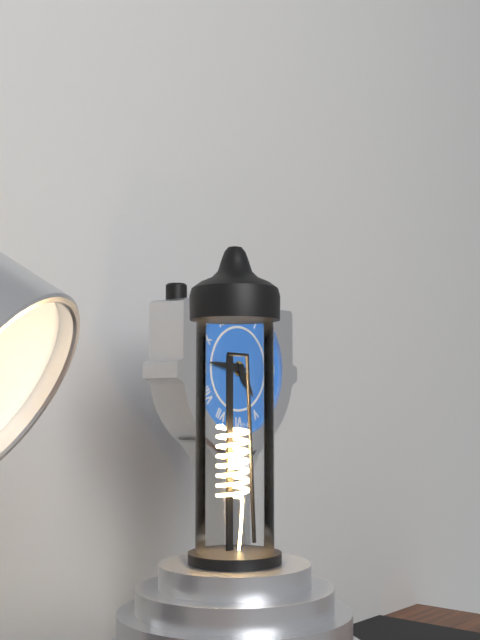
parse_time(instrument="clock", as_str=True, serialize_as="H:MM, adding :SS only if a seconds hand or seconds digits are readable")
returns 4:46
